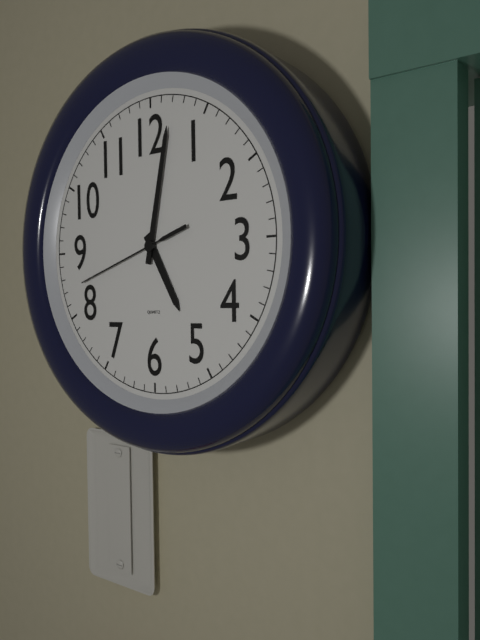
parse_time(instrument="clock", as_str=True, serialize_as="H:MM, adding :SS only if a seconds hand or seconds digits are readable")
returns 5:02:42
